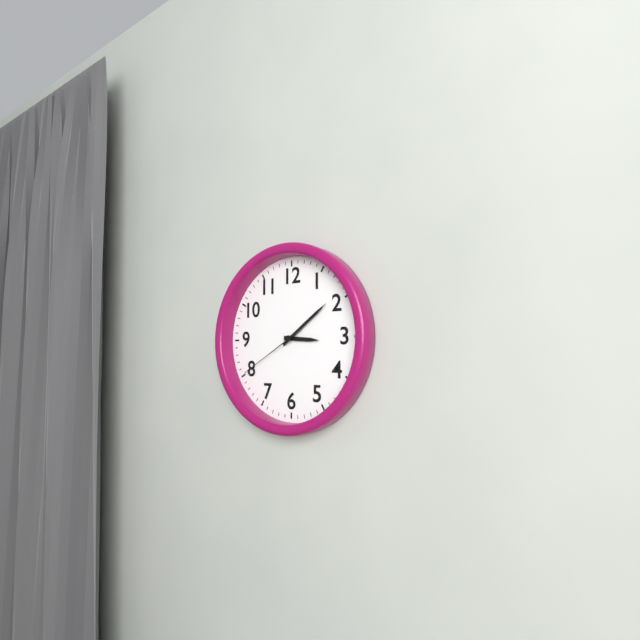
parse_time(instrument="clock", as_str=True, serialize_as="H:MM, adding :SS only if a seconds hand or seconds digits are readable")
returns 3:09:40
